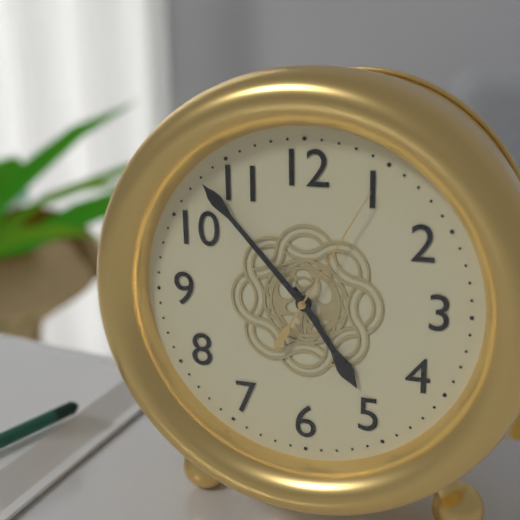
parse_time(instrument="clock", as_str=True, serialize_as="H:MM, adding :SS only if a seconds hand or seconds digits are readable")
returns 4:53:05
